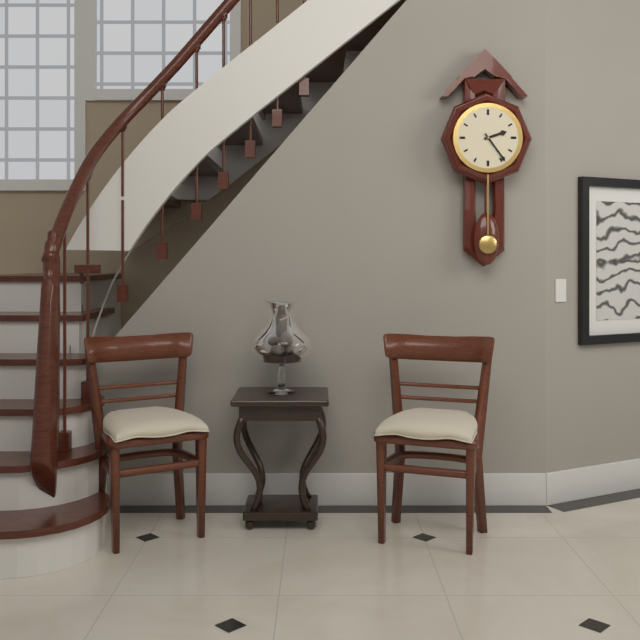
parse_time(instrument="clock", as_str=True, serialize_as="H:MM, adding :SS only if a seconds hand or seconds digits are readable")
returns 2:24
